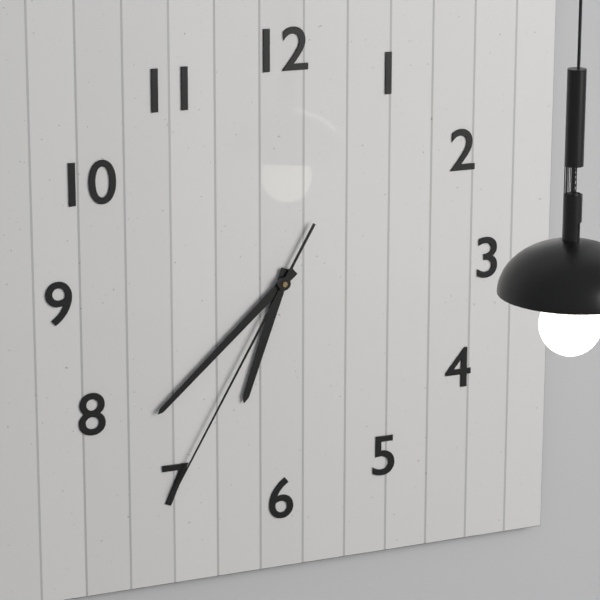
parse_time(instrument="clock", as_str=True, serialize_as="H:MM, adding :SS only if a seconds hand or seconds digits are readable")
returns 6:38:35
